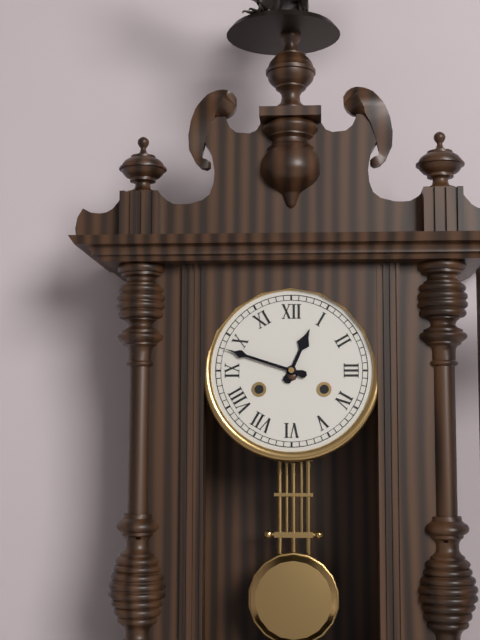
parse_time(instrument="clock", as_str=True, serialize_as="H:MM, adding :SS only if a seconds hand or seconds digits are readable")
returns 12:48
